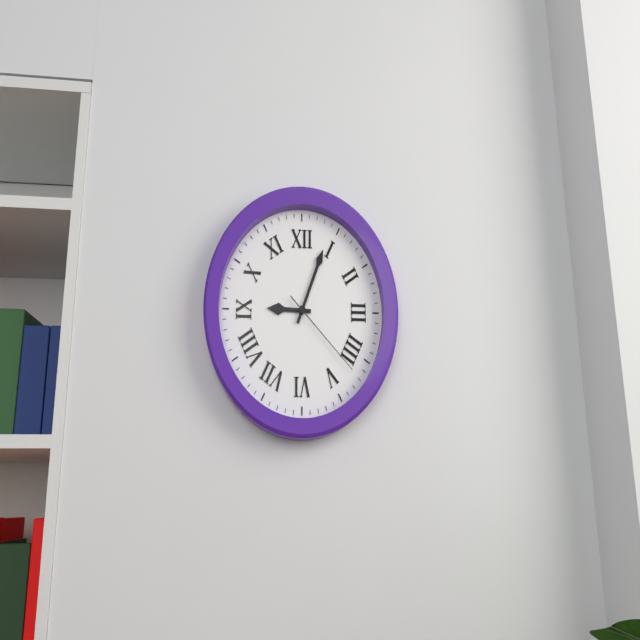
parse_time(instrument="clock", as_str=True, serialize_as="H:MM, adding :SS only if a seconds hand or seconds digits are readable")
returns 9:04:22
